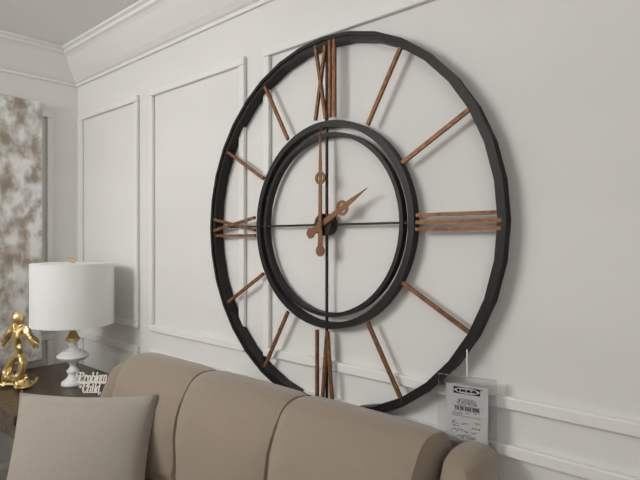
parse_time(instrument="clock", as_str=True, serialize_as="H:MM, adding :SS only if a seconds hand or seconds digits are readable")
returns 2:00
